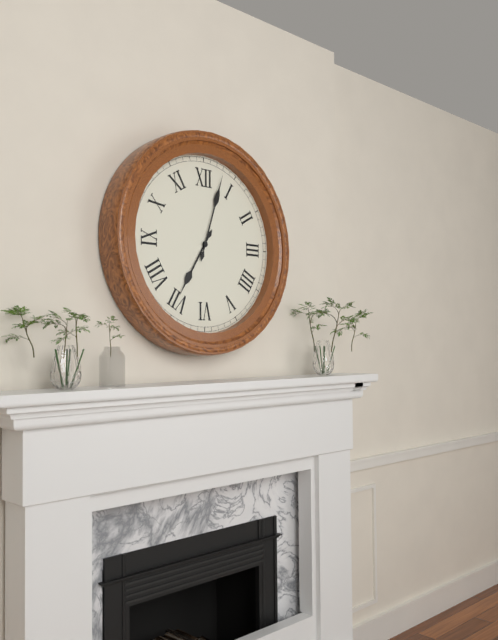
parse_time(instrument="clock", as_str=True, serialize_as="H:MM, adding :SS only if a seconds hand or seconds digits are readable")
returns 7:03
